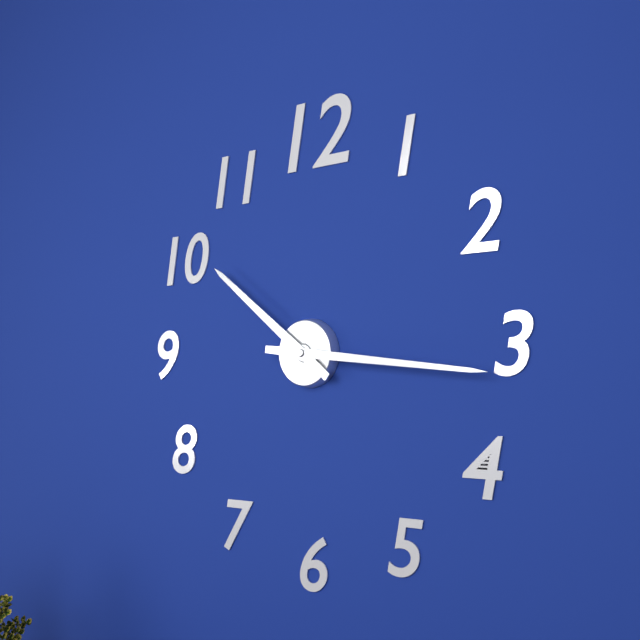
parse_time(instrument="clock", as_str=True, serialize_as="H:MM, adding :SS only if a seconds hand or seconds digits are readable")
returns 10:16
